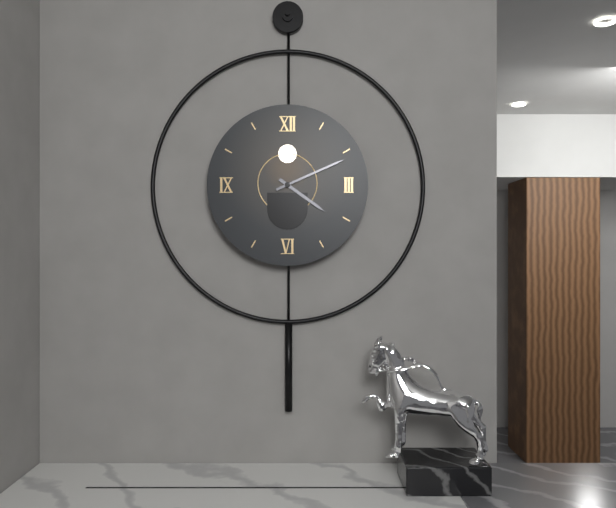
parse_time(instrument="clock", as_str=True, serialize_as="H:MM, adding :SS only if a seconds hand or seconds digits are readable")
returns 4:11
